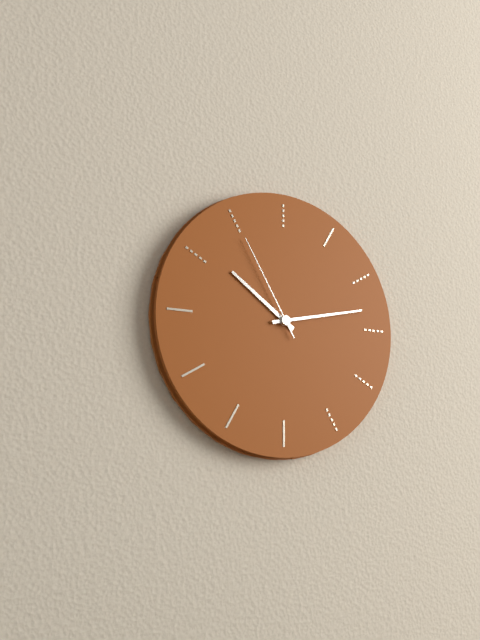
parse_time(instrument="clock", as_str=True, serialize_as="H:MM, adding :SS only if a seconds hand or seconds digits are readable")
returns 10:13:55
